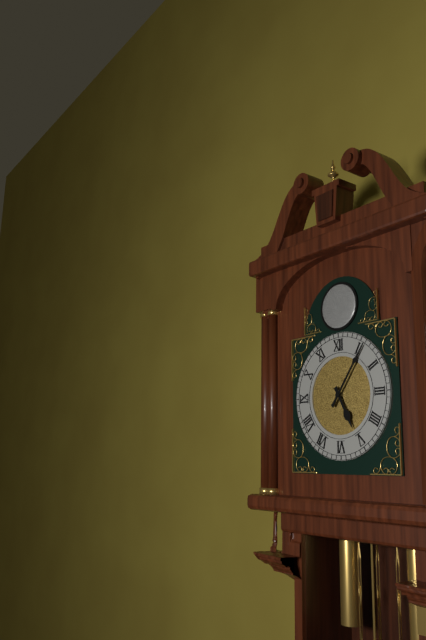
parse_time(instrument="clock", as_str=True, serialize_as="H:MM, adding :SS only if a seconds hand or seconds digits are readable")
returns 5:06
